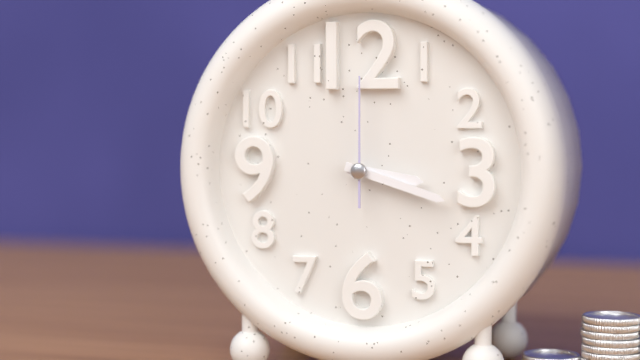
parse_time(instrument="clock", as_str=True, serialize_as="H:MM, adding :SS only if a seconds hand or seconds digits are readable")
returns 3:18:00
